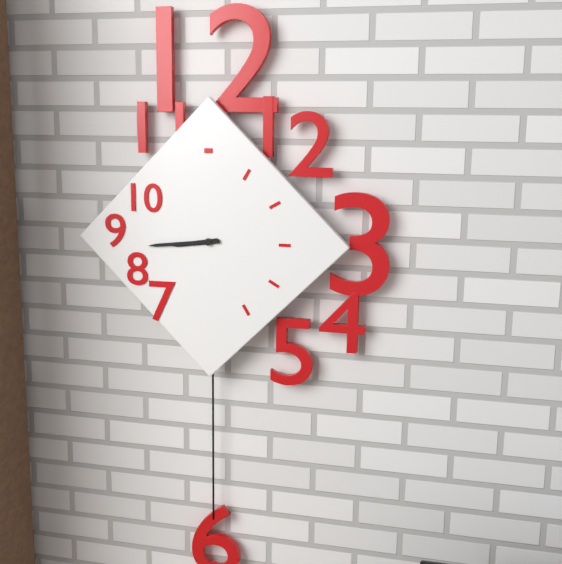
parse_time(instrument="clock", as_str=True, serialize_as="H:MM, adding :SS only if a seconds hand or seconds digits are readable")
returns 8:44
